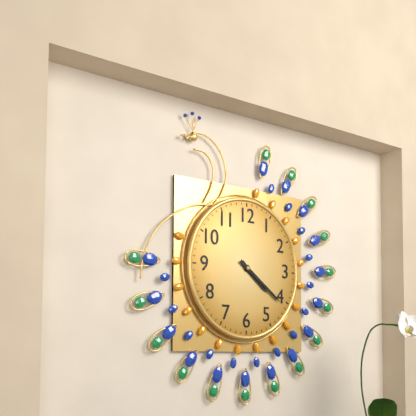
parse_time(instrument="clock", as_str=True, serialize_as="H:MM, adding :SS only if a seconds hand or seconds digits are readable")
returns 4:21
